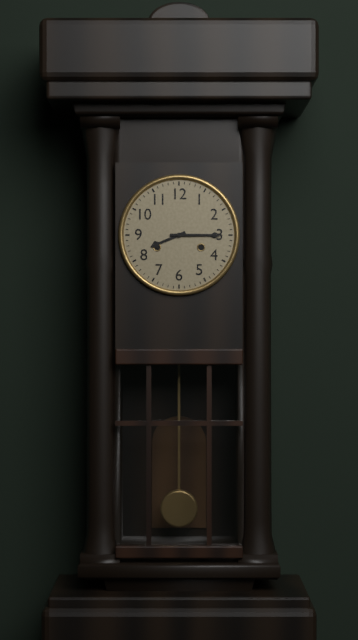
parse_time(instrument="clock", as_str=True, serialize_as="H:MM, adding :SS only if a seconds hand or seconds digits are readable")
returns 8:15
